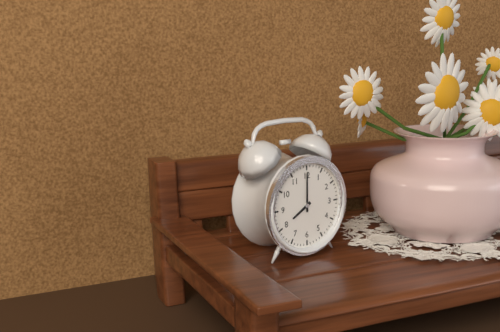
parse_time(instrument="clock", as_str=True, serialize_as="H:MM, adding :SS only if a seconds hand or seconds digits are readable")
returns 8:00
